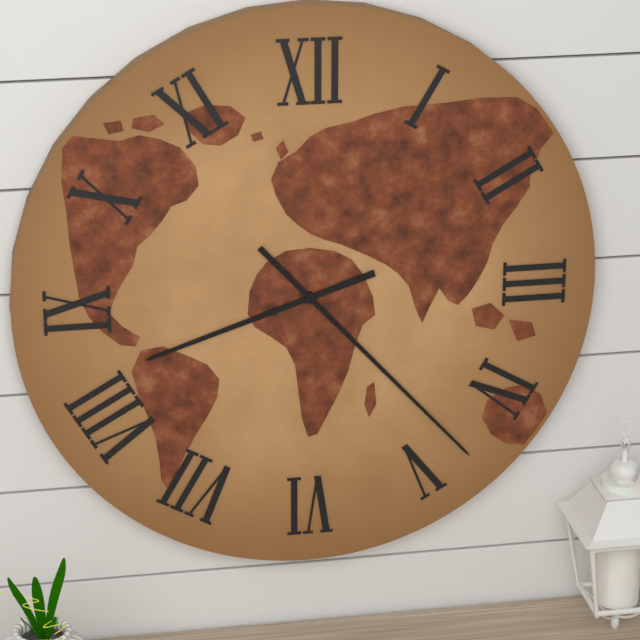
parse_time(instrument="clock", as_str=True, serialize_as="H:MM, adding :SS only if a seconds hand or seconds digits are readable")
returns 8:23
